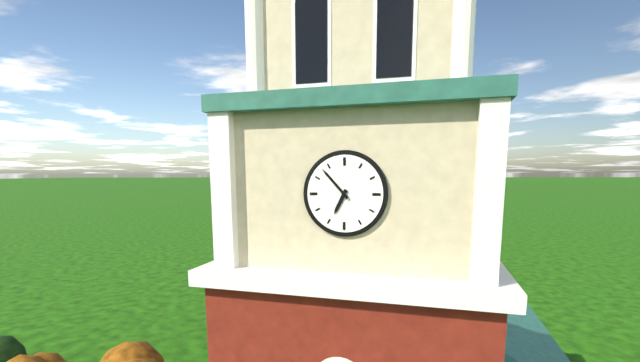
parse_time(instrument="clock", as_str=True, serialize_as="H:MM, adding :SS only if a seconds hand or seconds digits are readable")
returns 6:53
